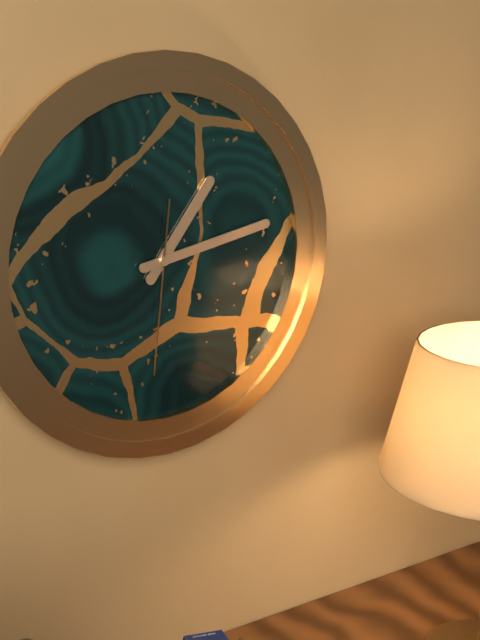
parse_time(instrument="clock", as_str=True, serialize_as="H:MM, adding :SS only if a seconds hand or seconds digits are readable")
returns 1:13:31
